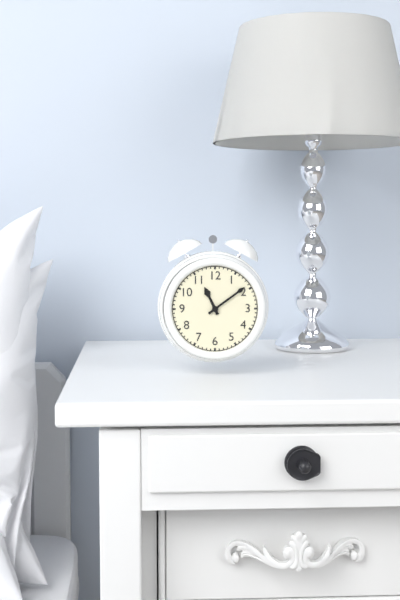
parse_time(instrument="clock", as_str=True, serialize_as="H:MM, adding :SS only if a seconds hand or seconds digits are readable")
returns 11:09
